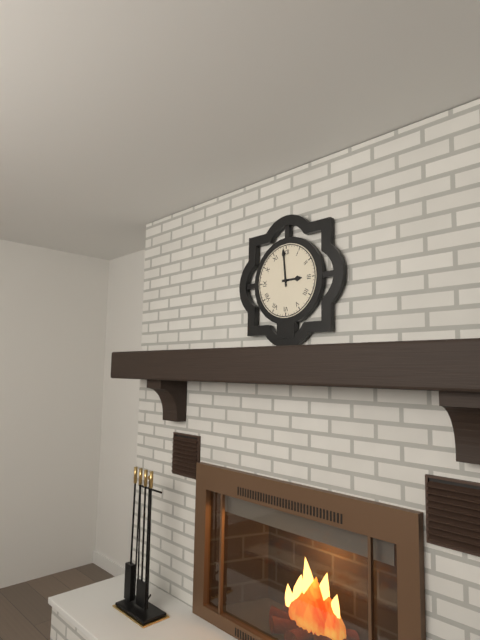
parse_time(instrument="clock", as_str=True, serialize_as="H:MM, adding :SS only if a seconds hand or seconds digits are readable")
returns 2:59
